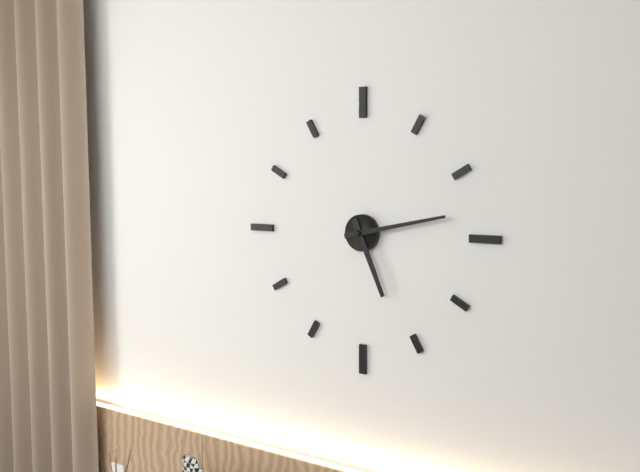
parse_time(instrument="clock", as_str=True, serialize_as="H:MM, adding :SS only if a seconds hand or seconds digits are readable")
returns 5:13
